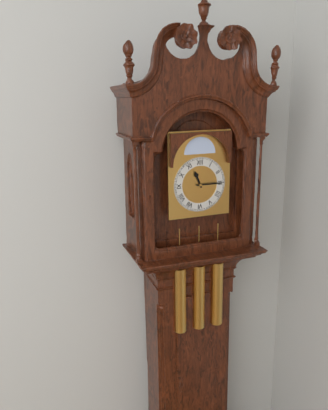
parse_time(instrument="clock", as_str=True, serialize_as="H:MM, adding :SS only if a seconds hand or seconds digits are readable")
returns 11:15
